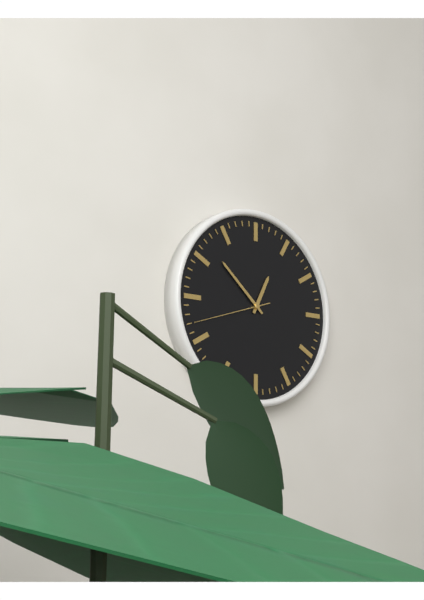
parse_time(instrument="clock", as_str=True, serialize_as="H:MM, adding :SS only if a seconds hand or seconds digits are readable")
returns 12:52:42
